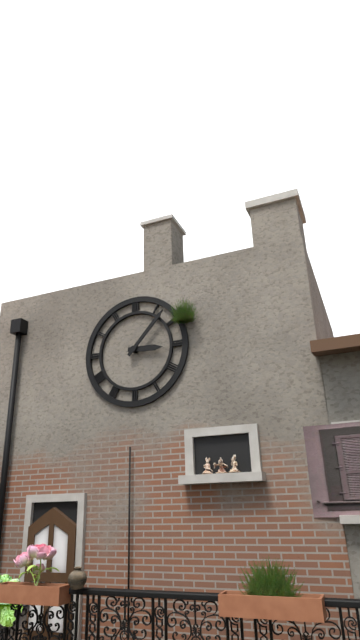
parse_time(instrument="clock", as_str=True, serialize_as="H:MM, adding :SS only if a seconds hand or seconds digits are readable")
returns 3:07
